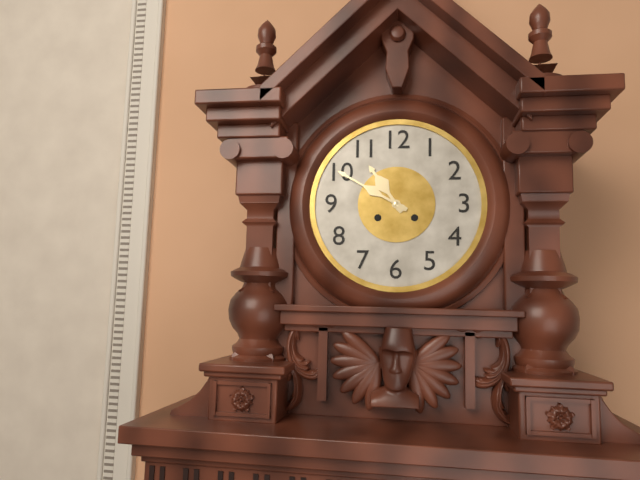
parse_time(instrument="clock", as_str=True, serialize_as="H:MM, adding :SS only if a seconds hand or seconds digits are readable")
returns 10:50
